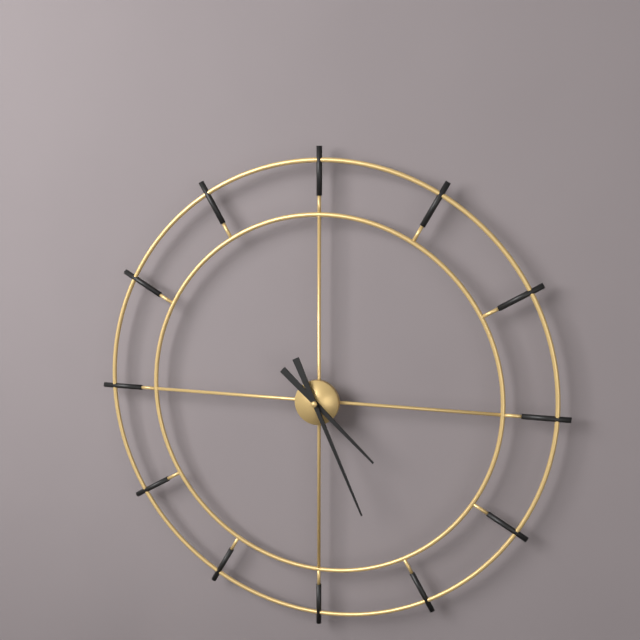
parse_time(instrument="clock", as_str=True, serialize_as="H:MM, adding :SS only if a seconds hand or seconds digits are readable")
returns 4:26
